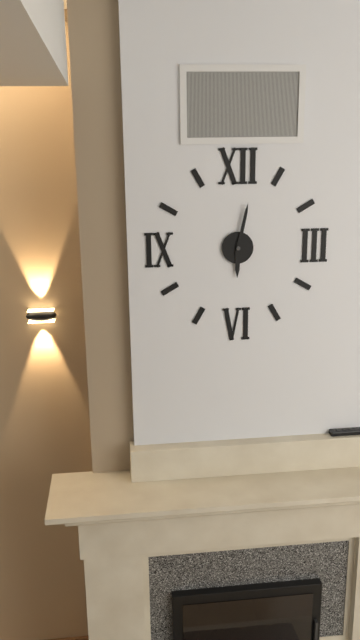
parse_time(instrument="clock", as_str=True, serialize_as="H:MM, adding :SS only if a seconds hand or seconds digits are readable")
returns 6:02
